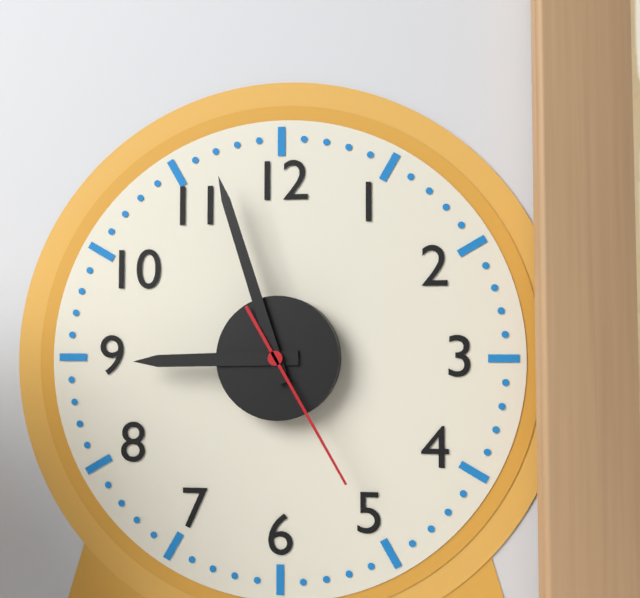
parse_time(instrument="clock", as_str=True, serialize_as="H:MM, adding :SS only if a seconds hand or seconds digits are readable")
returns 8:57:25
